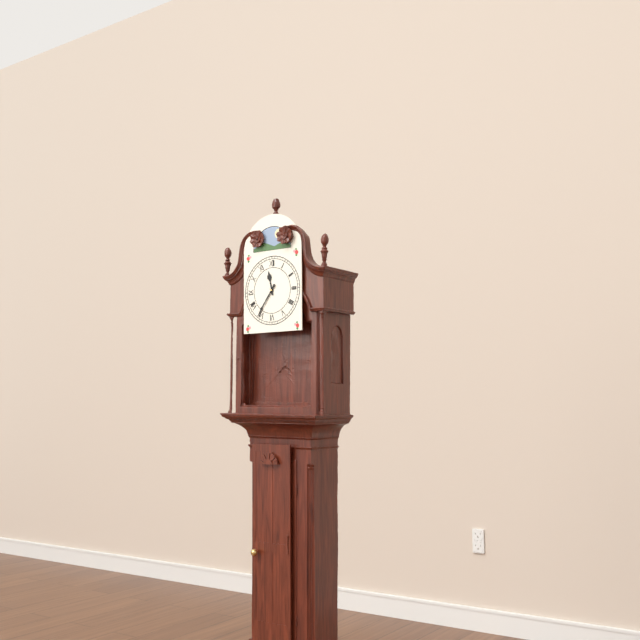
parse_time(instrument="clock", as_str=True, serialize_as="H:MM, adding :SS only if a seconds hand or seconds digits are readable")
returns 11:36
